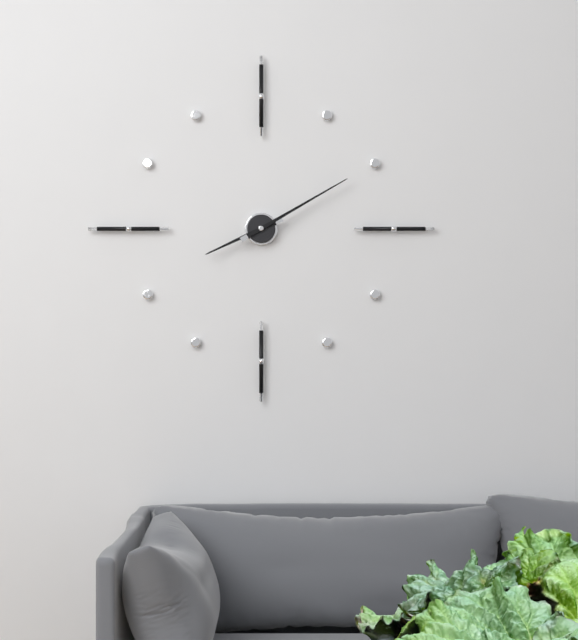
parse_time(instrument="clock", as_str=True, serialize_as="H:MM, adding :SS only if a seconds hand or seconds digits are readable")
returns 8:10
